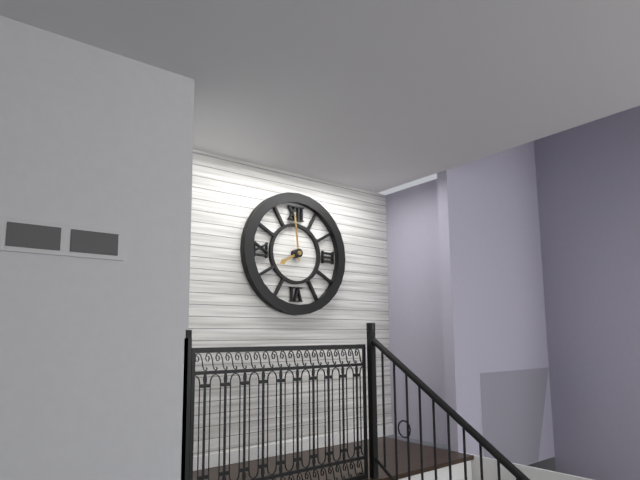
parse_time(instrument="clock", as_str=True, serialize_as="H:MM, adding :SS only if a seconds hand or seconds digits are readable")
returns 7:59
